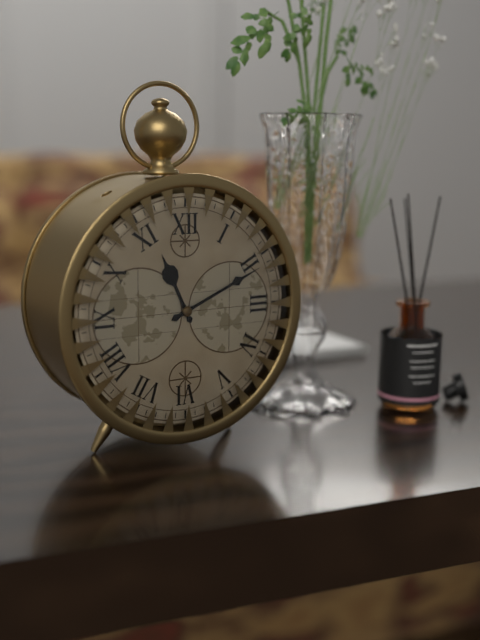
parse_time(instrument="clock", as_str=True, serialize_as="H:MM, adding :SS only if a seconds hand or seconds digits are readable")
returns 11:11
